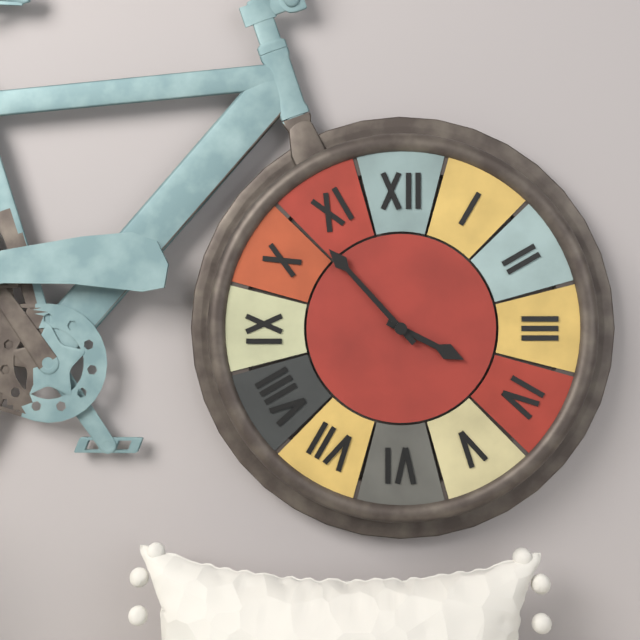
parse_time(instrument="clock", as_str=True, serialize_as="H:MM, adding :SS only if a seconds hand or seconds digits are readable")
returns 3:53
